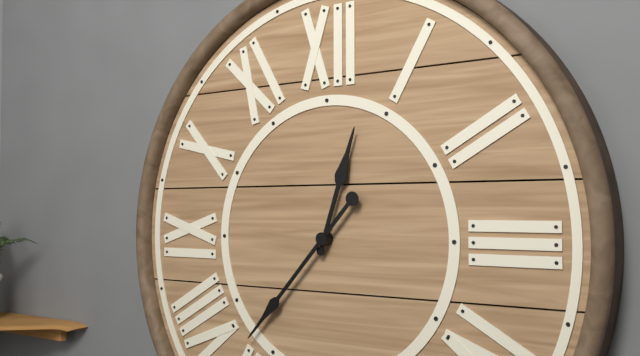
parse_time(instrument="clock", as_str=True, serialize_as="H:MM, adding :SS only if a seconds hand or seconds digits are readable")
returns 12:37
